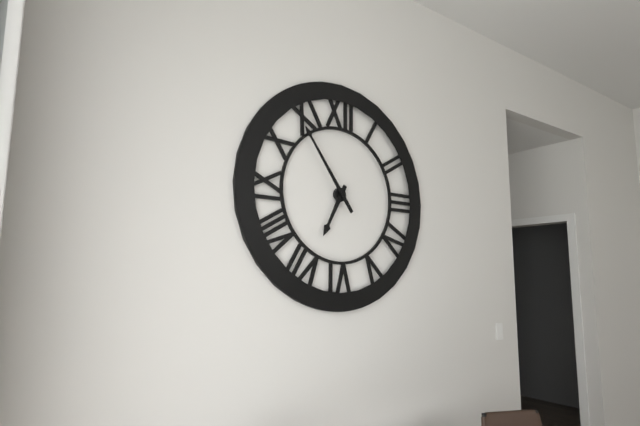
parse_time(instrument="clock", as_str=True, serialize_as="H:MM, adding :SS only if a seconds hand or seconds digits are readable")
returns 6:54
